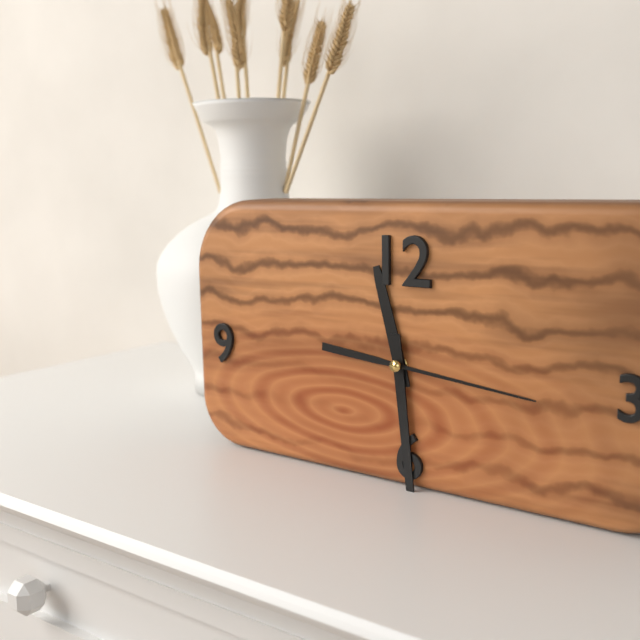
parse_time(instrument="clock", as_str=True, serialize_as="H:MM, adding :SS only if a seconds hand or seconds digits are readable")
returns 11:29:16
